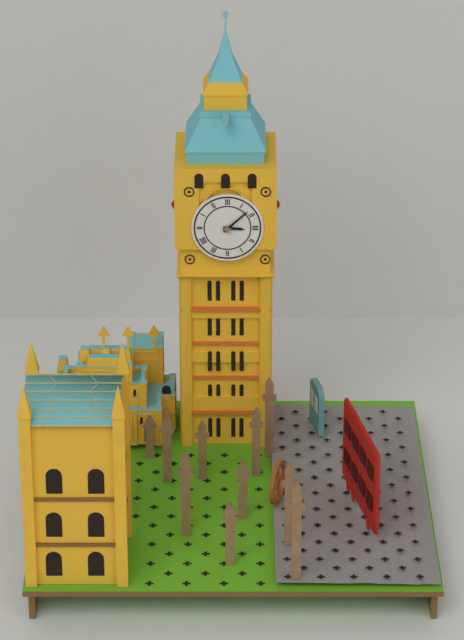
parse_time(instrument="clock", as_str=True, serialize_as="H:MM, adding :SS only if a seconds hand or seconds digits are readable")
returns 3:08
